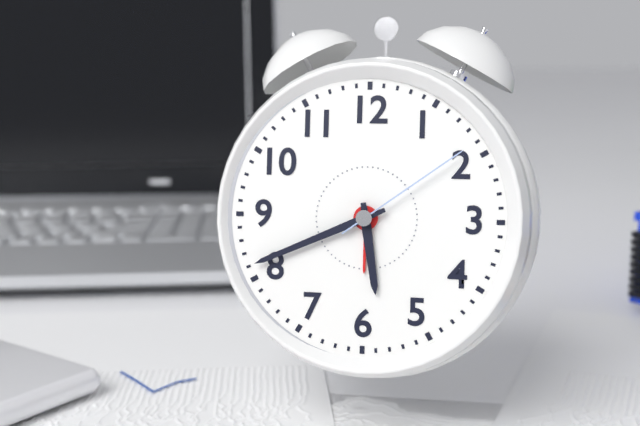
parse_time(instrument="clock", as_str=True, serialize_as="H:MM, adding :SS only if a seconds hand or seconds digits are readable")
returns 5:41:09
